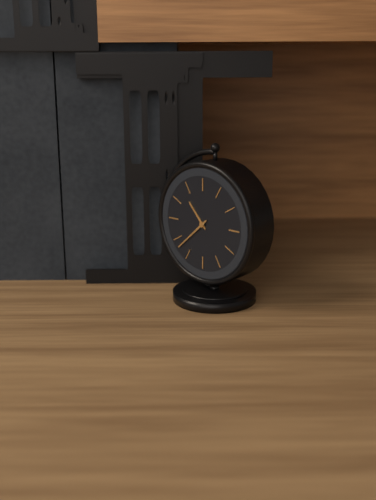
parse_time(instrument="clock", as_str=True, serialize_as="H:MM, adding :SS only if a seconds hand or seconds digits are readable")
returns 10:38
